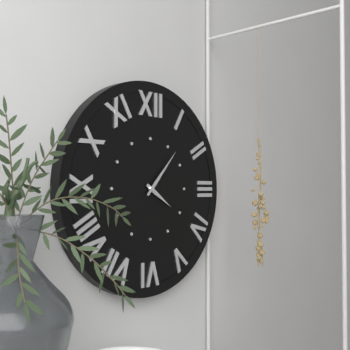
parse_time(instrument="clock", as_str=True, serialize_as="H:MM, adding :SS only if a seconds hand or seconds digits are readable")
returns 4:07
